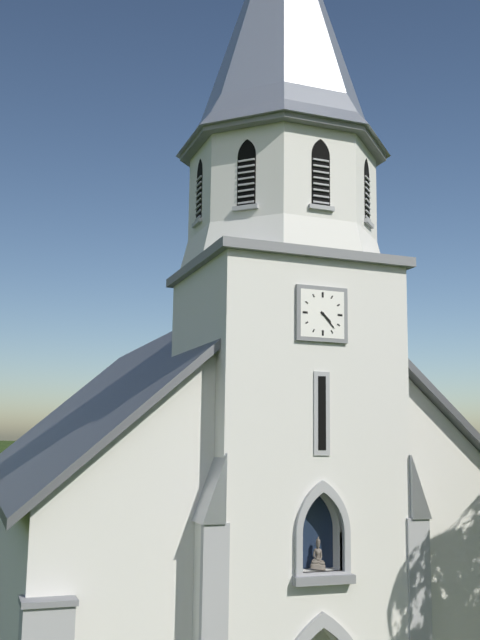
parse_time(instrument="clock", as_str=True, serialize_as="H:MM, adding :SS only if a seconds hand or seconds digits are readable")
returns 4:23
